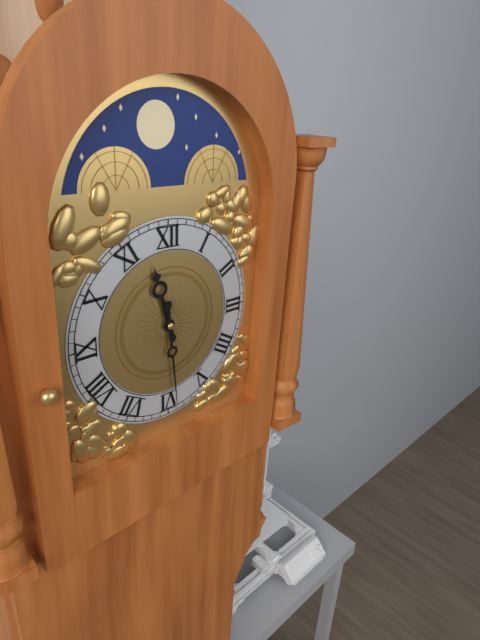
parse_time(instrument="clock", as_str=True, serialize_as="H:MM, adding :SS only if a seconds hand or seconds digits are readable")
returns 11:29
